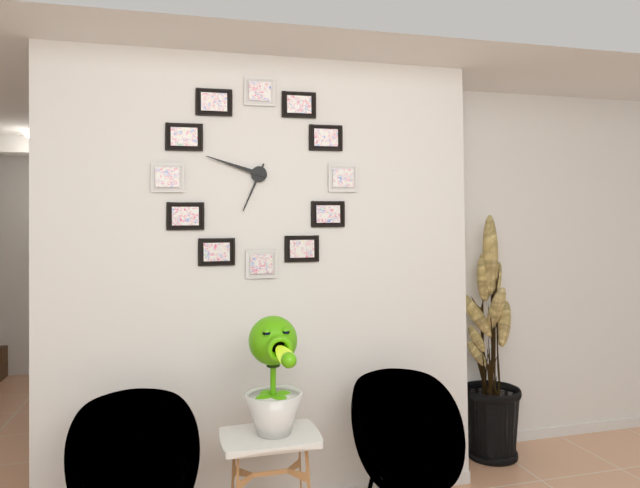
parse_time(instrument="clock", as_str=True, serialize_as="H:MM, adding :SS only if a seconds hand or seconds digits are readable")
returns 6:48
